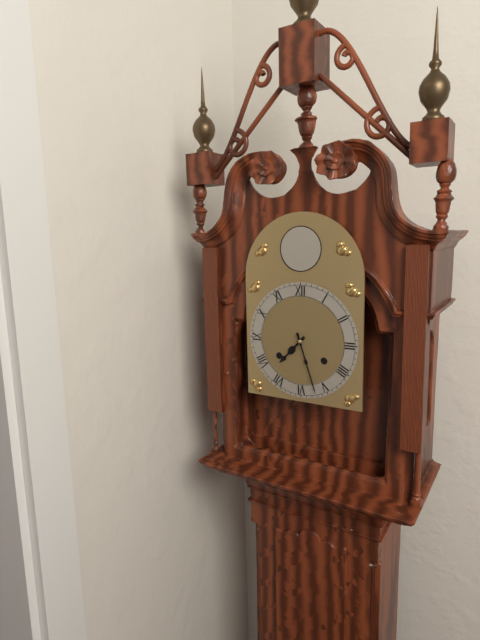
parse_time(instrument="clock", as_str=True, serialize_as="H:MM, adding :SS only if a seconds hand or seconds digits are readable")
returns 7:27
